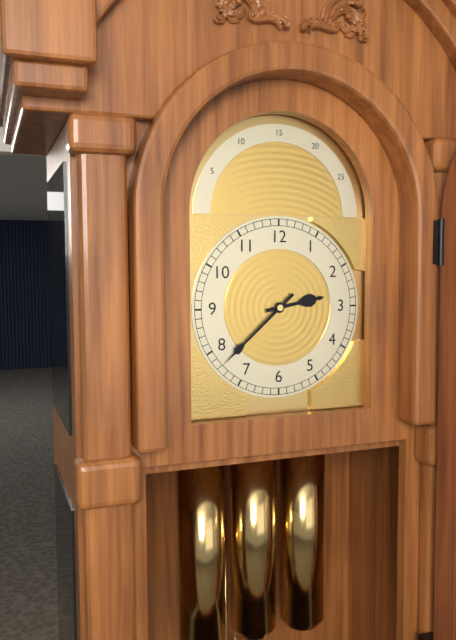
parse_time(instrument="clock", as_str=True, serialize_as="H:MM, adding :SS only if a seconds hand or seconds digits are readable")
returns 2:38
